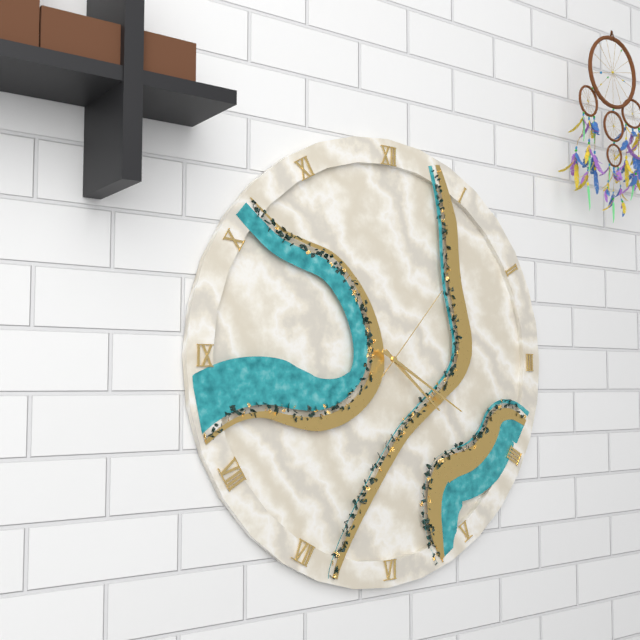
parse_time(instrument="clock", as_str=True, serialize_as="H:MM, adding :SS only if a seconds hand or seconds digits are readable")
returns 4:20:07
